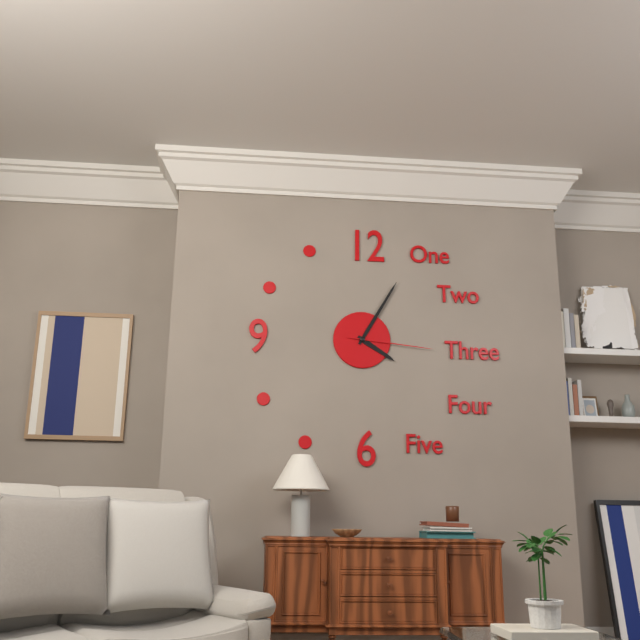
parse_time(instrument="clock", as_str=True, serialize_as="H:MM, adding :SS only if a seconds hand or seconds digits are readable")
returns 4:05:16
